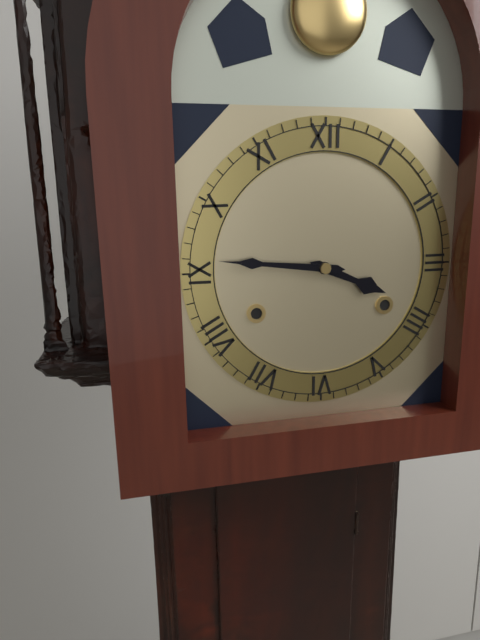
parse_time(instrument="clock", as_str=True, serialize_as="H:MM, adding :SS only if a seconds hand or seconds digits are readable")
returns 3:46
